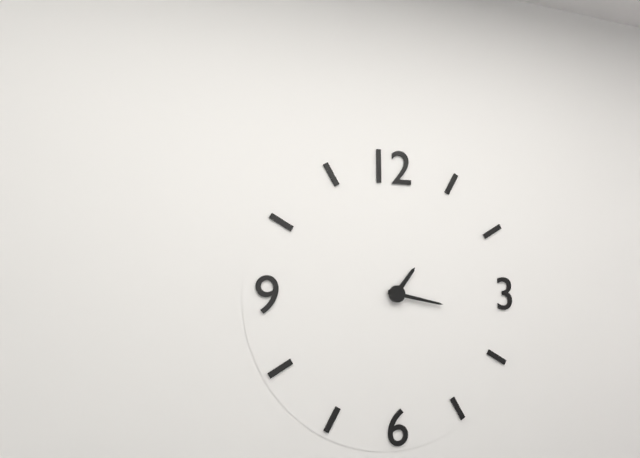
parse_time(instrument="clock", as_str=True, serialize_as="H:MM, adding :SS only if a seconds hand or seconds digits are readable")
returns 1:17
